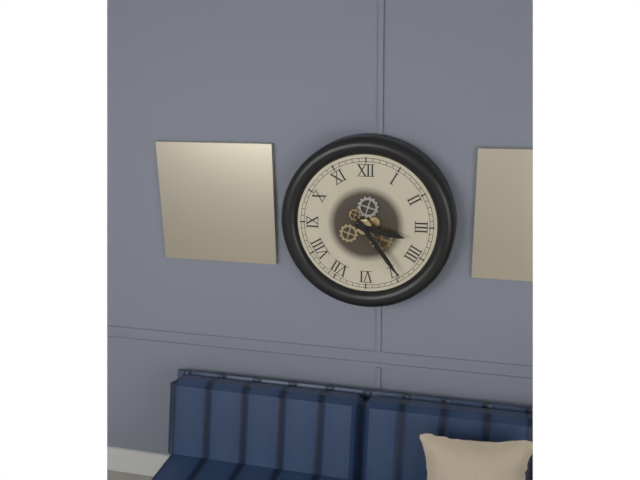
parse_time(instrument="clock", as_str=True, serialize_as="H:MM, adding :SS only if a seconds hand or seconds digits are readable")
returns 3:24
